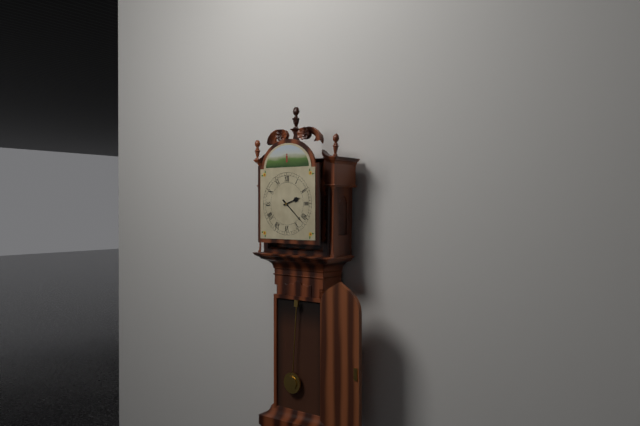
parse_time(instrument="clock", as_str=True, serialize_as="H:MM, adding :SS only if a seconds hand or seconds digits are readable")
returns 2:22
